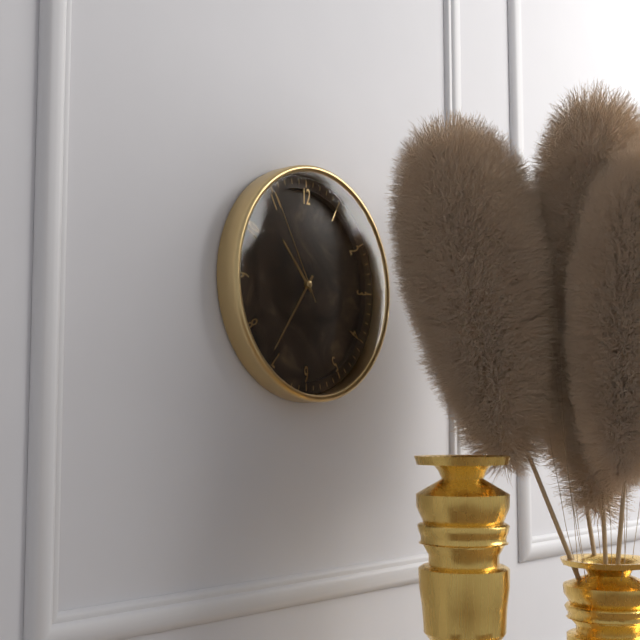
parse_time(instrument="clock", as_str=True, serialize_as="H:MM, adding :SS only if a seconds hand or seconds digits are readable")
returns 10:36:55
